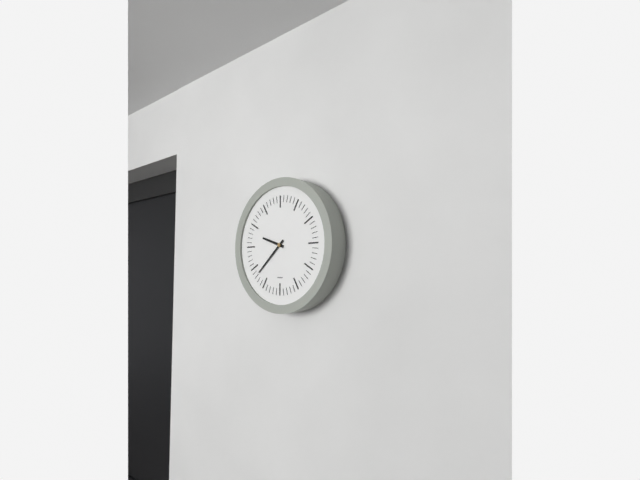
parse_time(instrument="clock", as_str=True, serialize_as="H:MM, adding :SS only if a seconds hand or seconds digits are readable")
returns 9:38
